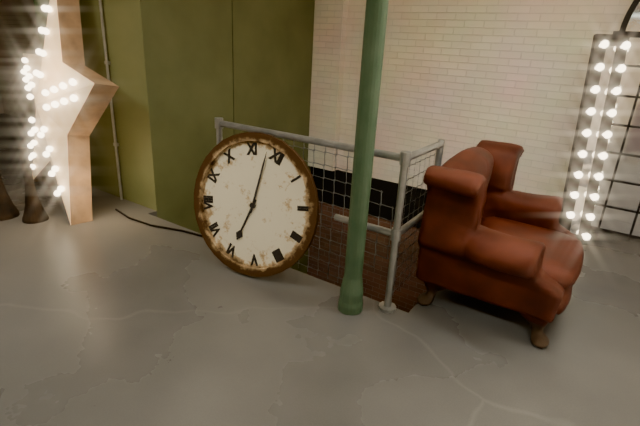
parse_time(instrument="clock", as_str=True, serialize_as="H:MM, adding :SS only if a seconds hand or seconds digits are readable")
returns 5:58
